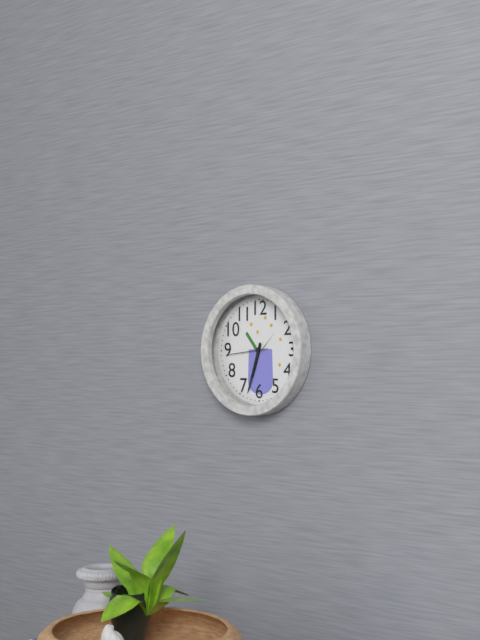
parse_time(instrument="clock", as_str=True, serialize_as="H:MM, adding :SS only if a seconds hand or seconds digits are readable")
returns 6:33
